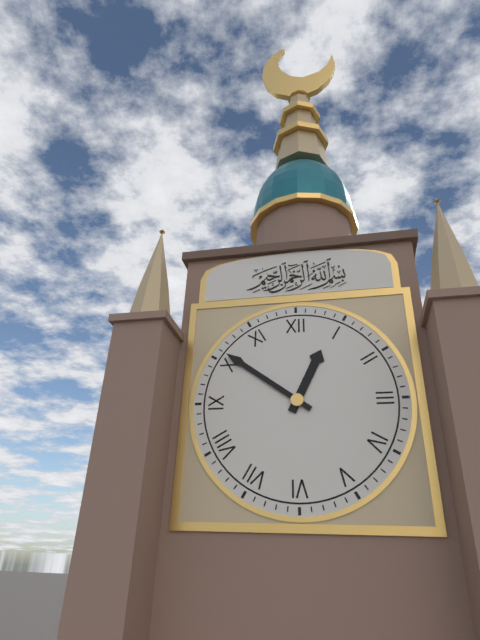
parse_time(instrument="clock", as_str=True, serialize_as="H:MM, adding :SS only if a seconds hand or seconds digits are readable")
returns 12:51
